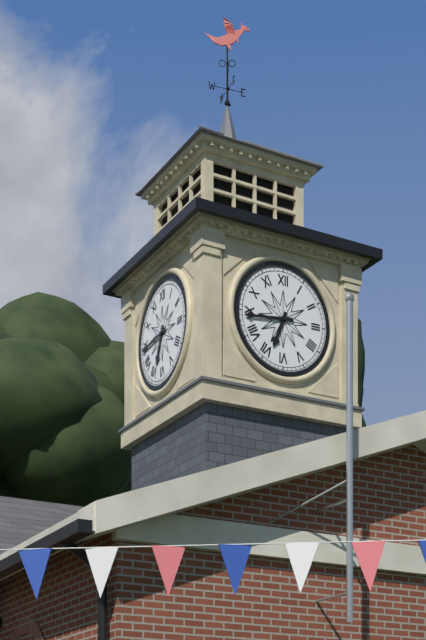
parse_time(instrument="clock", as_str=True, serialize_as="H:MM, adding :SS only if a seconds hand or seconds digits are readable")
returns 6:44
